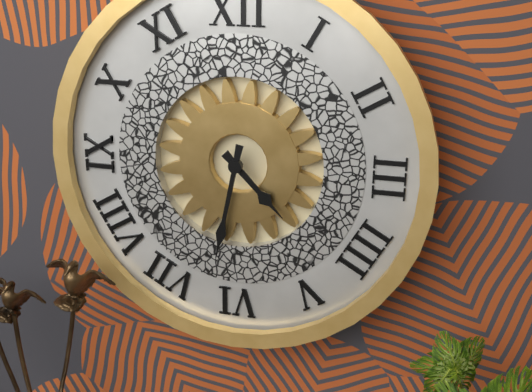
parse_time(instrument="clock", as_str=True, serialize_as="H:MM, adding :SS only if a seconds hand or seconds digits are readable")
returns 4:32
